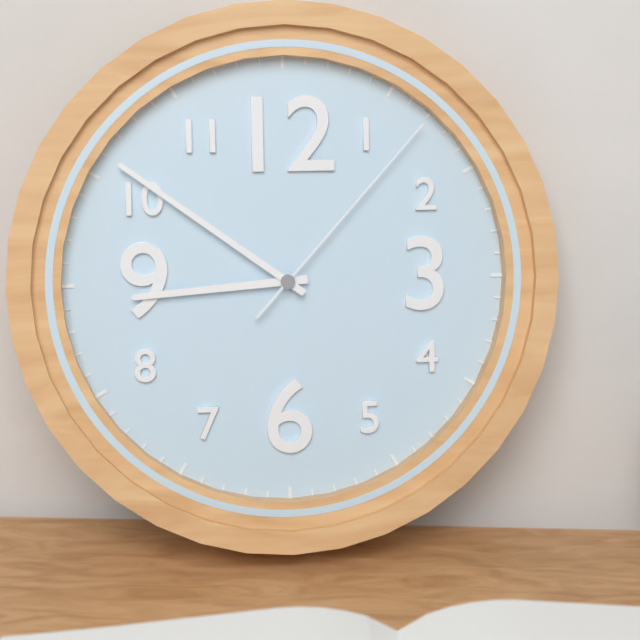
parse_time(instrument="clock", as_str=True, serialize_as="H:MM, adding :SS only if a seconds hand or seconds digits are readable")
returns 8:51:07
